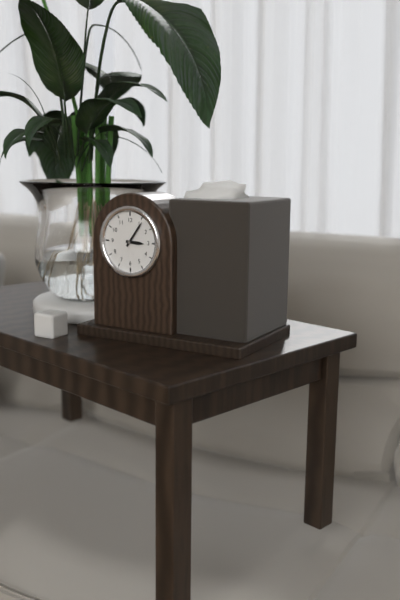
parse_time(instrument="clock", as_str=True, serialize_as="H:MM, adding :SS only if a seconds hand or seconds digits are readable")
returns 3:06
